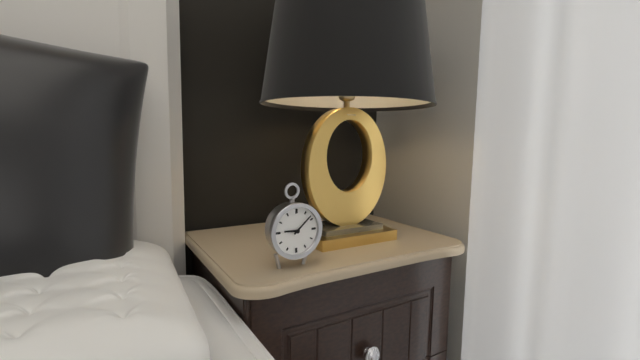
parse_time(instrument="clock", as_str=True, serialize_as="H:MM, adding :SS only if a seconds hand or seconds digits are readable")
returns 9:08
